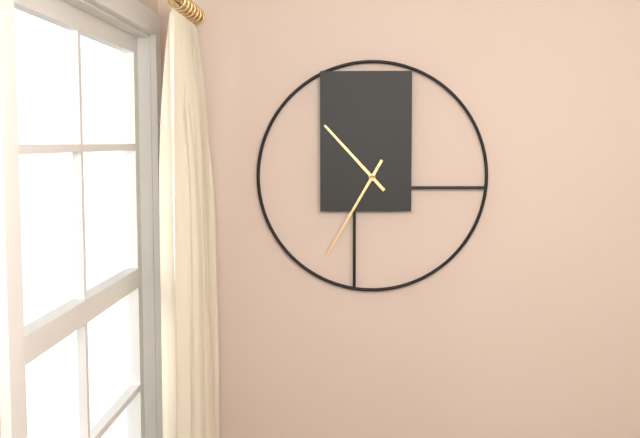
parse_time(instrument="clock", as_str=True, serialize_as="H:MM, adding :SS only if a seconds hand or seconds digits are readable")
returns 10:35
